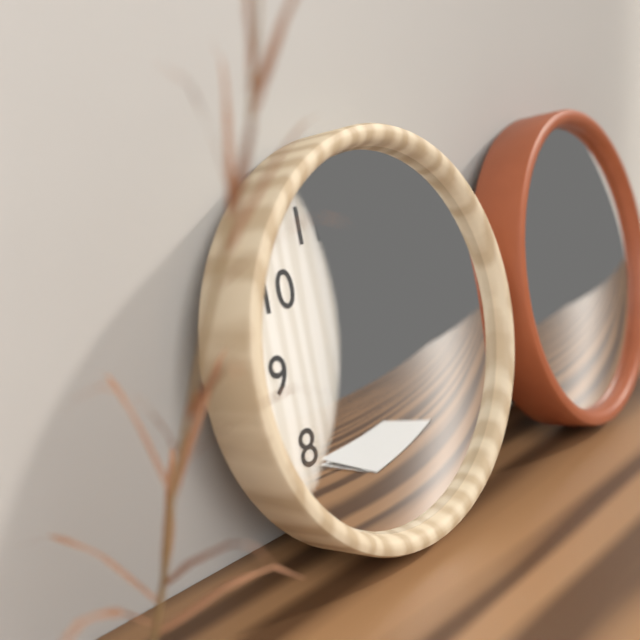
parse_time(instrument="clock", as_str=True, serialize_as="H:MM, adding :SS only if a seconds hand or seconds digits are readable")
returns 11:19:32
